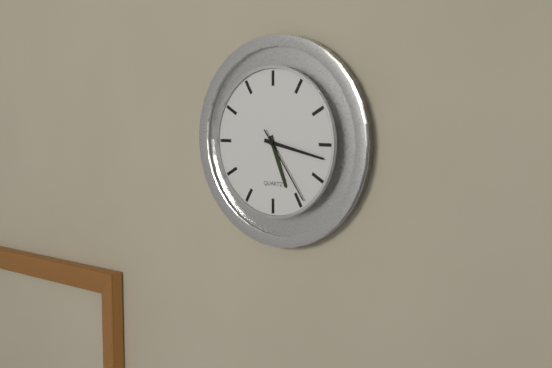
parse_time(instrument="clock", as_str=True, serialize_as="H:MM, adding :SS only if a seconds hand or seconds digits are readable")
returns 5:17:24
